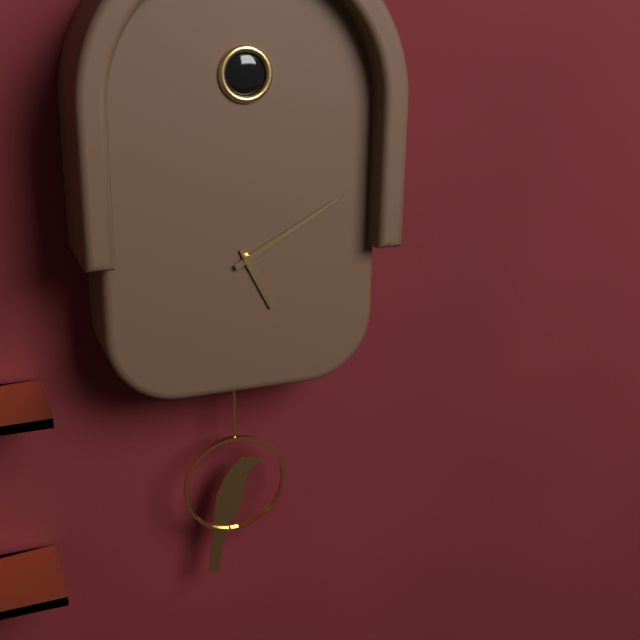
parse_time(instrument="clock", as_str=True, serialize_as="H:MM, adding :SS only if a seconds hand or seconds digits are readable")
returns 5:10
